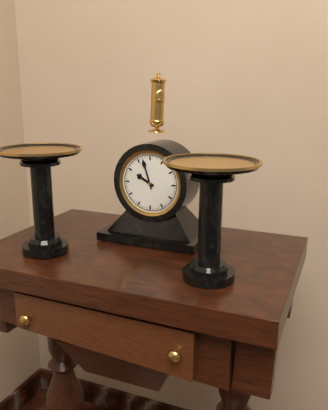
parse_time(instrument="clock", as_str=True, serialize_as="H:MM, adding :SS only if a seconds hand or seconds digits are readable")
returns 9:57
